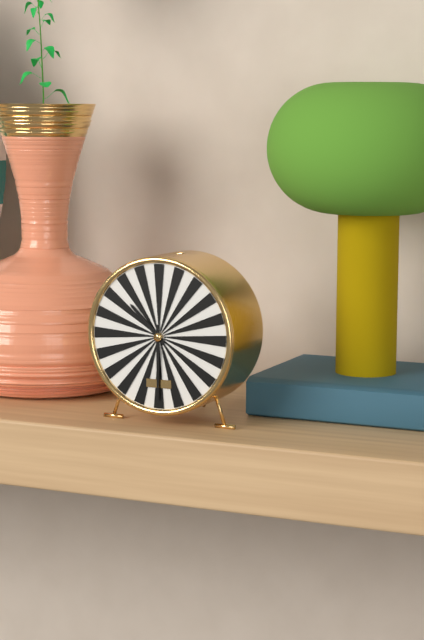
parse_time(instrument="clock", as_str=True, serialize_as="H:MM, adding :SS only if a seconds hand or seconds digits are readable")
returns 10:30
